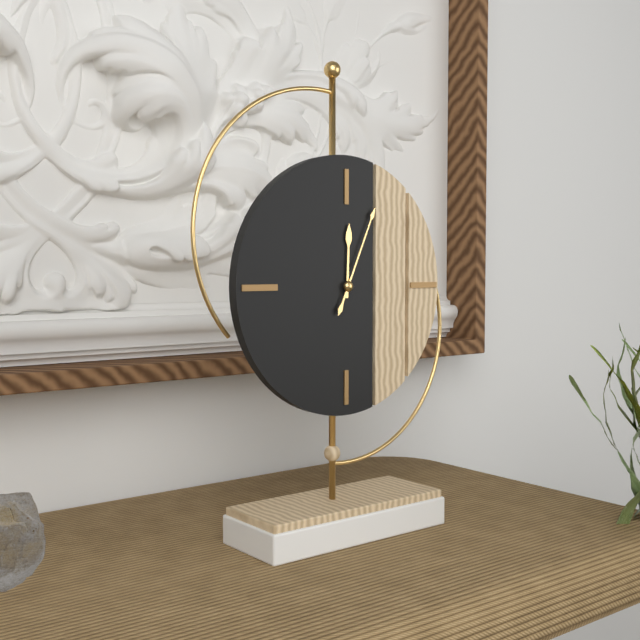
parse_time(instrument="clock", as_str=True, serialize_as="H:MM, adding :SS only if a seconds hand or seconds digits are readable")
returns 12:04
